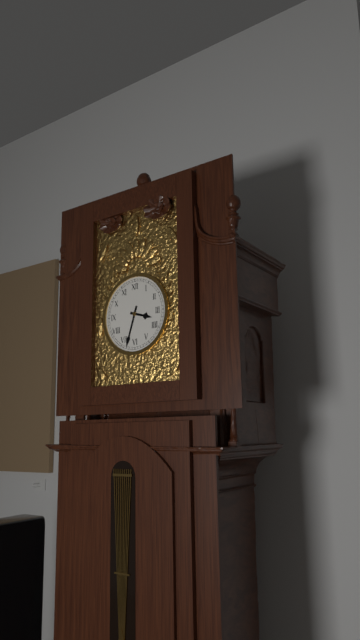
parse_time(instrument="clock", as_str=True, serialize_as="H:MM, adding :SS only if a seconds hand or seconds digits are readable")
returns 3:33
